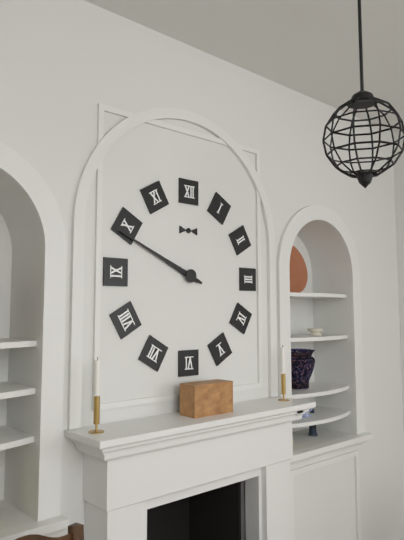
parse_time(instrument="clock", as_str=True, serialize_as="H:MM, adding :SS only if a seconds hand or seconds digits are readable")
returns 9:49
